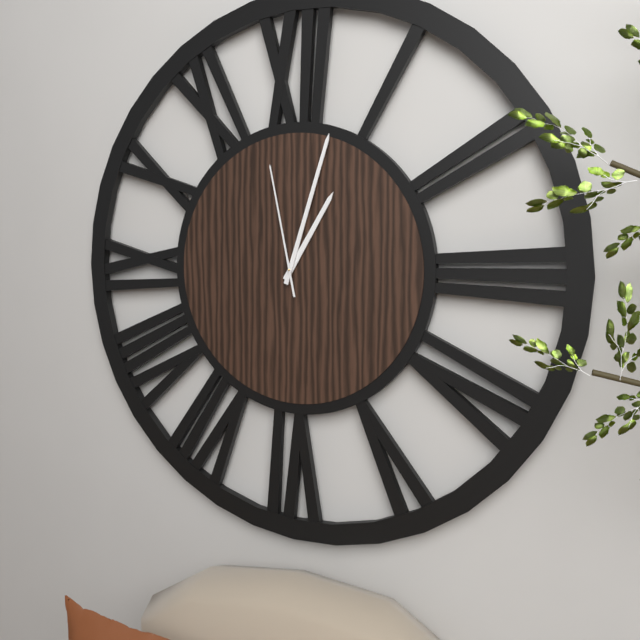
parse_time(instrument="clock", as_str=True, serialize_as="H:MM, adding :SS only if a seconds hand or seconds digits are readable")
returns 1:03:58
